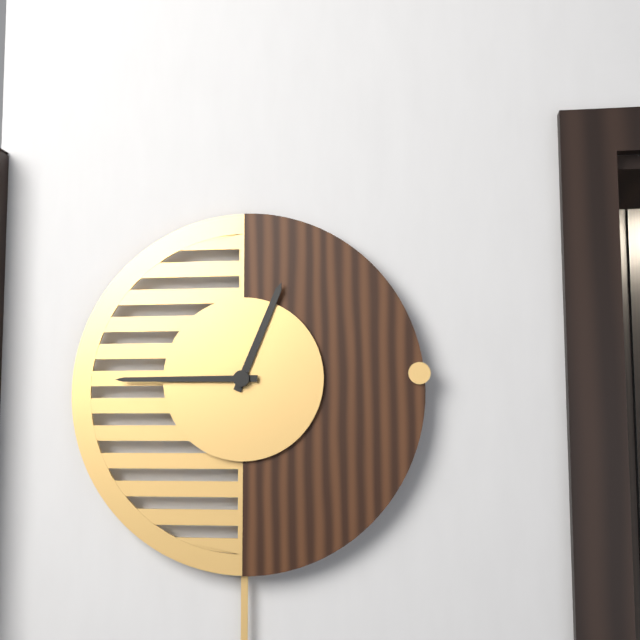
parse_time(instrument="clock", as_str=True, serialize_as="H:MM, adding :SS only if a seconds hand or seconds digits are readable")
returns 12:45
